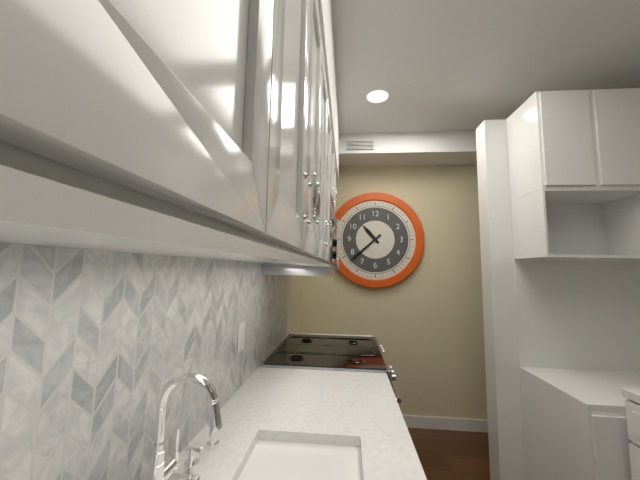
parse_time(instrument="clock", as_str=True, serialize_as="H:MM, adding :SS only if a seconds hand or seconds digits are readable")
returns 10:38
